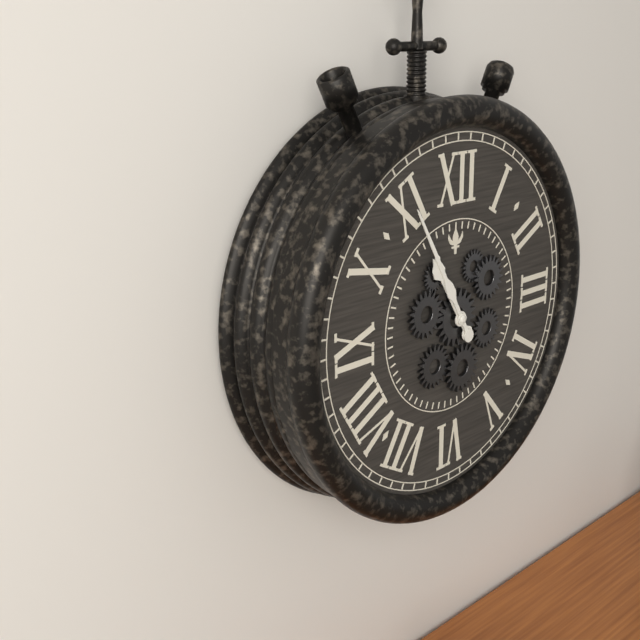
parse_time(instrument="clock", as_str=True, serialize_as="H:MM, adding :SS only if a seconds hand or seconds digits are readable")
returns 10:55
